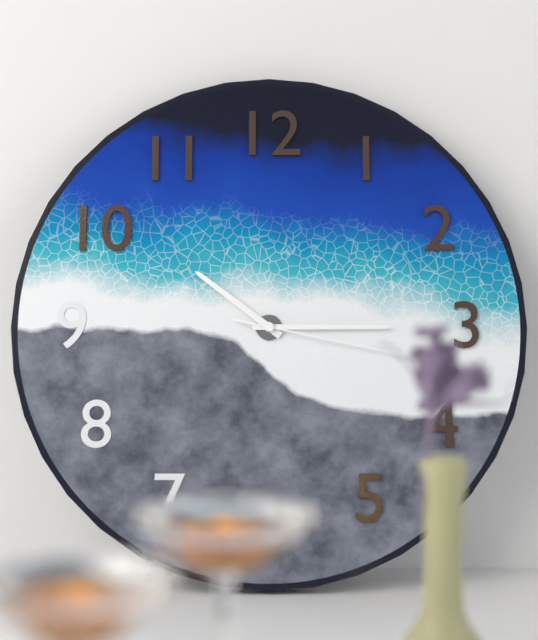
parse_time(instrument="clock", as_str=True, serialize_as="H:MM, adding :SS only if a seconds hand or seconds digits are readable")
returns 10:15:17
